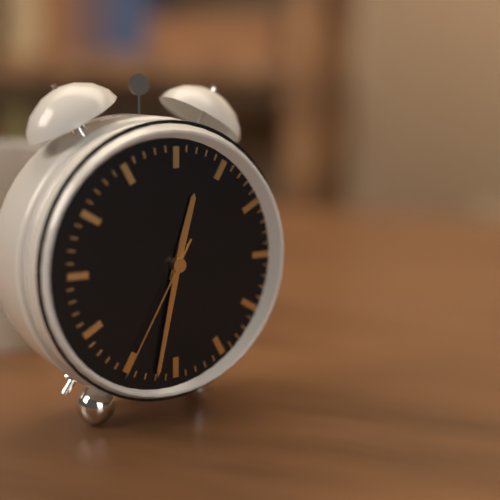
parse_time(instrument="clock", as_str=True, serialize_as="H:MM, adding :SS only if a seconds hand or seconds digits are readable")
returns 12:32:35
